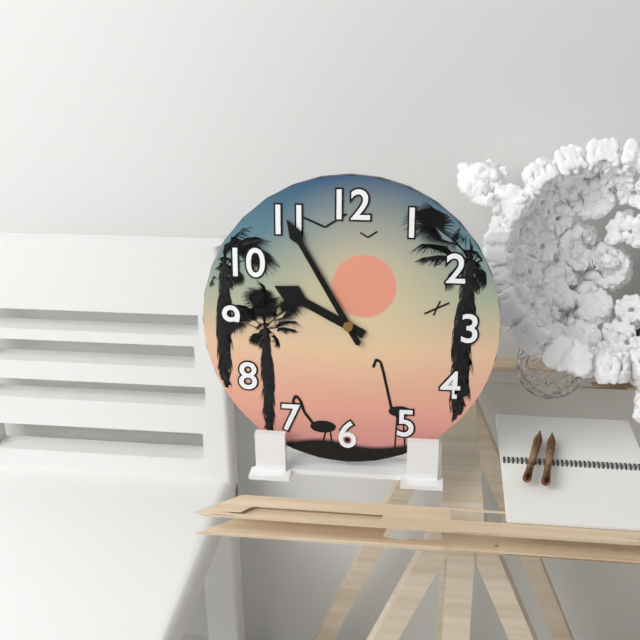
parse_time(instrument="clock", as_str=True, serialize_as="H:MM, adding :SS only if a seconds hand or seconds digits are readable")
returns 9:55:55
